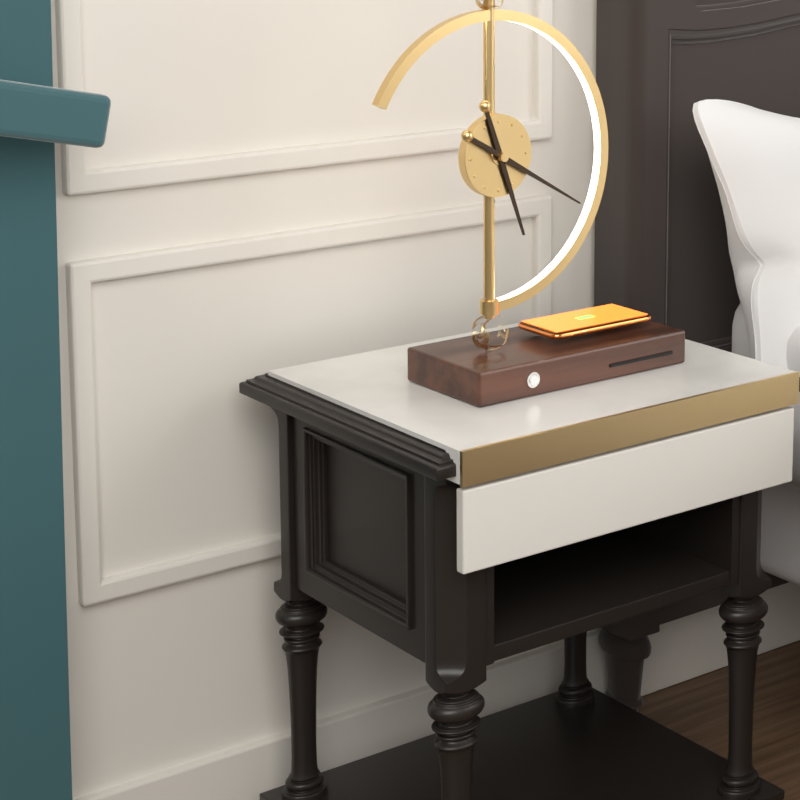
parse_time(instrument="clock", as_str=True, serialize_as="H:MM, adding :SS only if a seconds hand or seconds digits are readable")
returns 5:20
